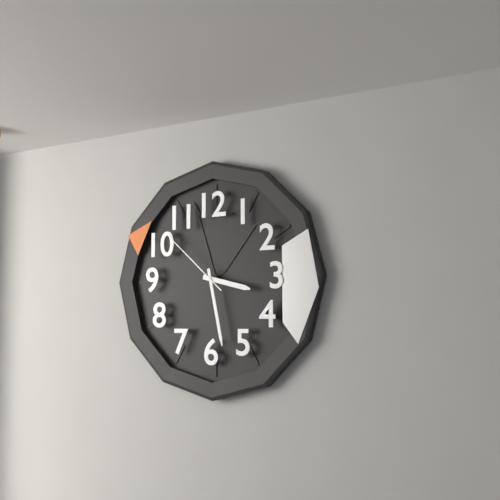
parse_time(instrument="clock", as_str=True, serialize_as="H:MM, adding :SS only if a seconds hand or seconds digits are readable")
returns 3:28:52
